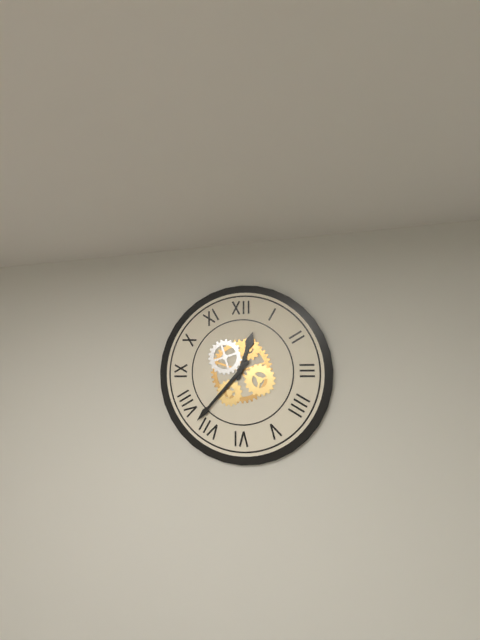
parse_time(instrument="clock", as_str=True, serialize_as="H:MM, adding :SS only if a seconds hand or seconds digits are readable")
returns 12:37
